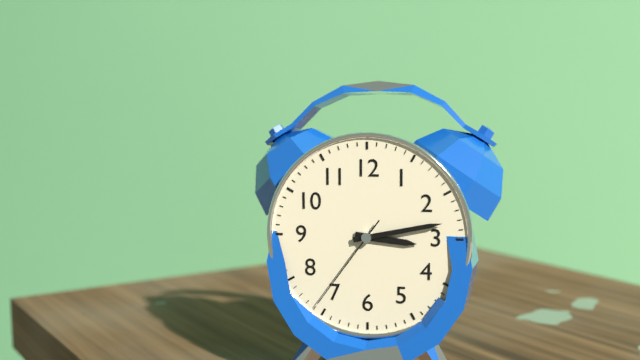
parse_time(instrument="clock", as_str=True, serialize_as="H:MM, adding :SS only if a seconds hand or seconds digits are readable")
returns 3:13:36
